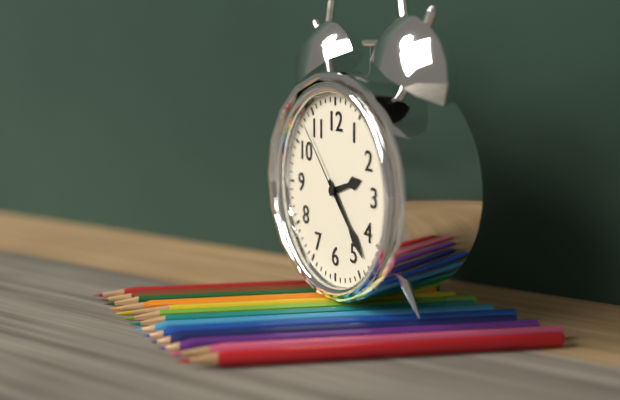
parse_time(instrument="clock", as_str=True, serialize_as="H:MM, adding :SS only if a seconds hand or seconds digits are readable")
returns 2:23:53
